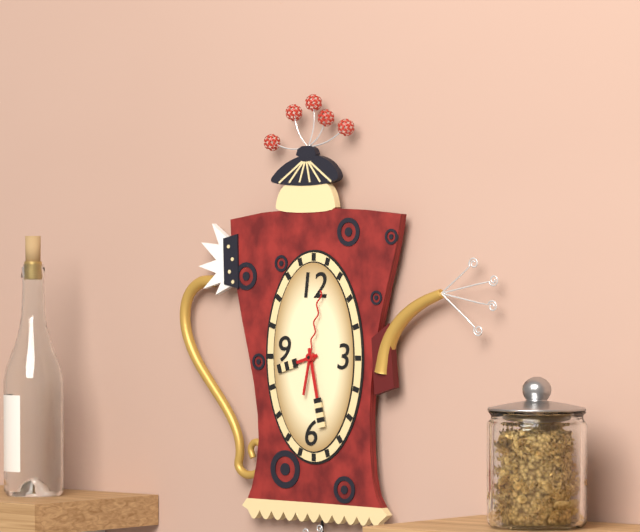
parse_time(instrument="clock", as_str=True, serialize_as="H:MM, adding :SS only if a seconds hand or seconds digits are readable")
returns 8:28:02
